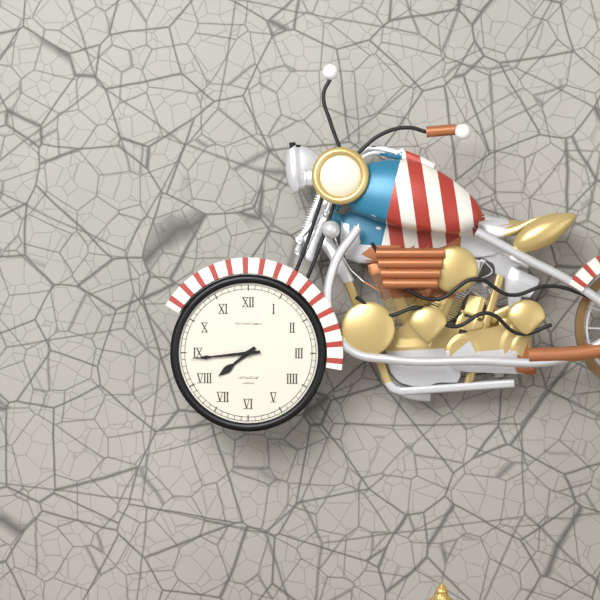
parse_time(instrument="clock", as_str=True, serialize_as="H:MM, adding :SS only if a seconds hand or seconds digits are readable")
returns 7:44
